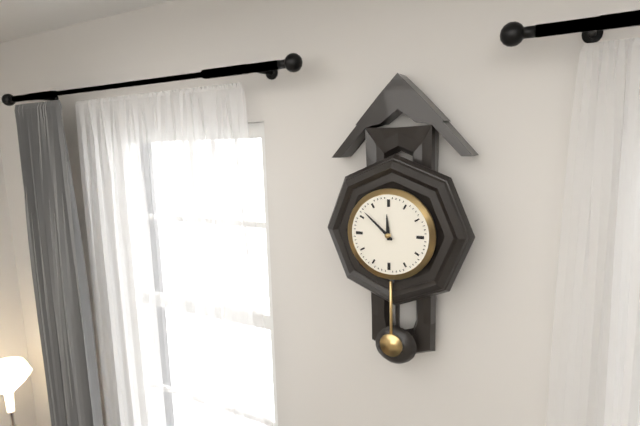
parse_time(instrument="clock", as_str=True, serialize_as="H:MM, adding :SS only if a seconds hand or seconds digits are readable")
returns 11:52
